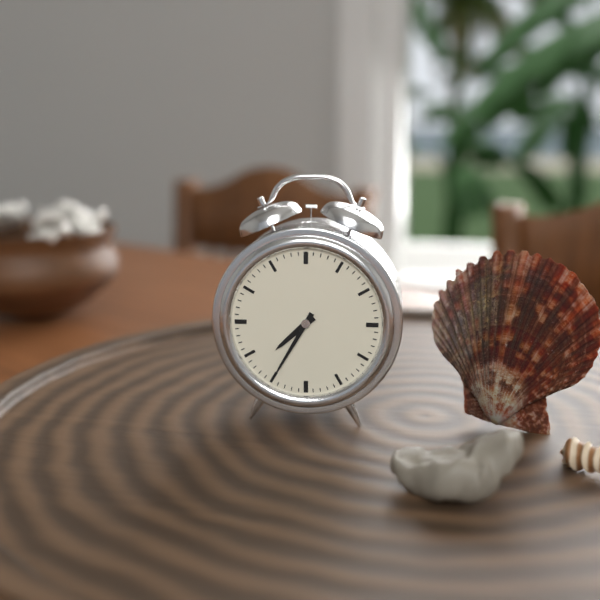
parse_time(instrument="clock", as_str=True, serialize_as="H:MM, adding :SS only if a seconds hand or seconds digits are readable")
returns 7:35
